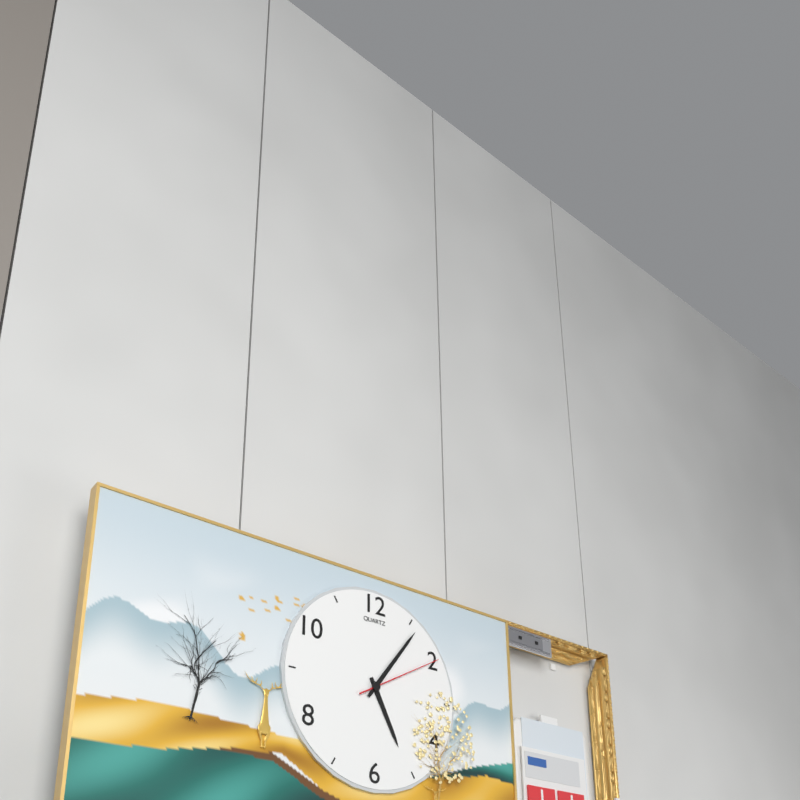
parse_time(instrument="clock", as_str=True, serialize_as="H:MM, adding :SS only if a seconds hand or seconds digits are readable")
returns 5:06:10
